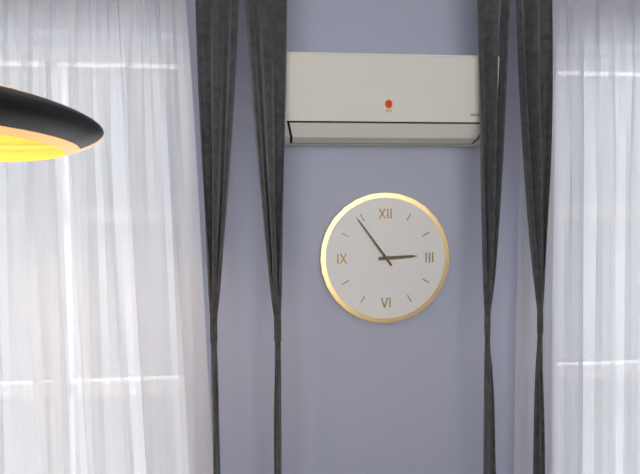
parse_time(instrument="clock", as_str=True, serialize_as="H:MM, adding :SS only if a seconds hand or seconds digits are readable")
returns 2:54
